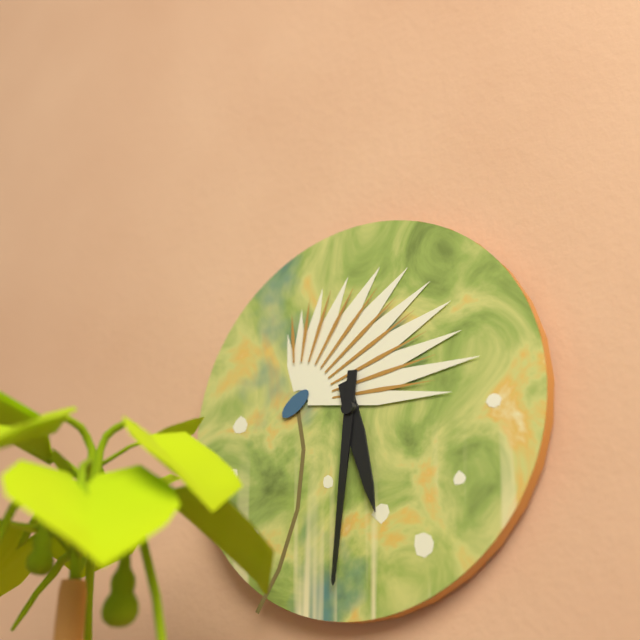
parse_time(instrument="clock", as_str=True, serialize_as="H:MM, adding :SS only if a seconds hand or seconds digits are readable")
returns 5:31
